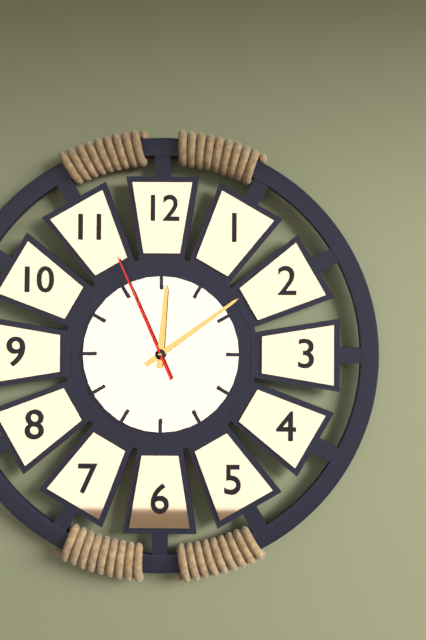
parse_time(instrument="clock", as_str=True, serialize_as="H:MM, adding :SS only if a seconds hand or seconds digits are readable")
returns 12:09:56
